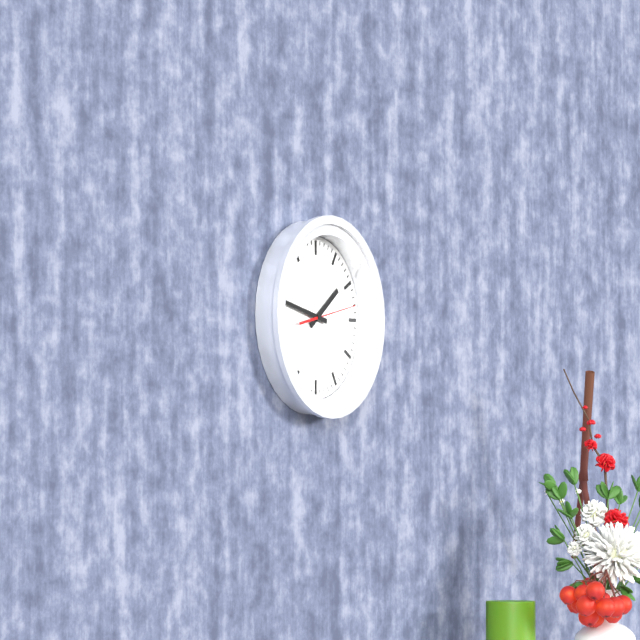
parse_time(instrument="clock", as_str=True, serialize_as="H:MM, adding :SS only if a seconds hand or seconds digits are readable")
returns 1:47:13
